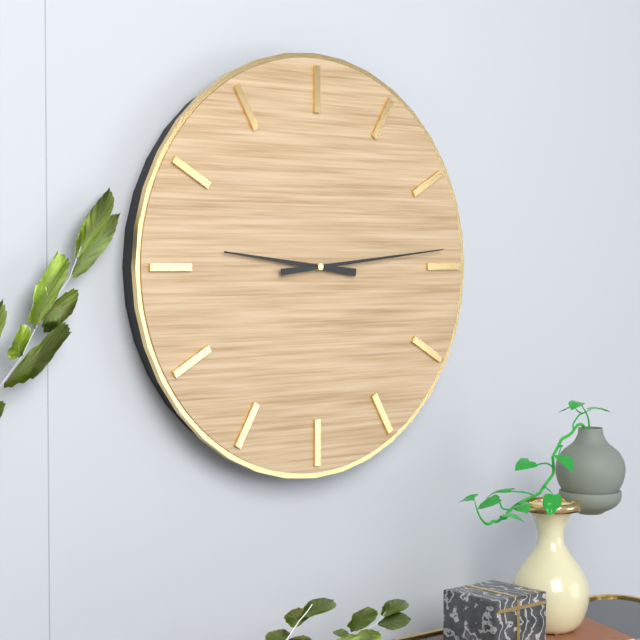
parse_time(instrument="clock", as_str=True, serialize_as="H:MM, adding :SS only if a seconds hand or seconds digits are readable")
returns 9:14
